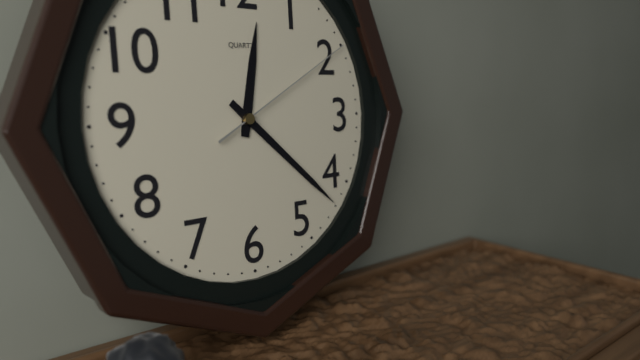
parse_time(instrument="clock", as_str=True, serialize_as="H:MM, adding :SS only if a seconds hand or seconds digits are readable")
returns 12:22:10
